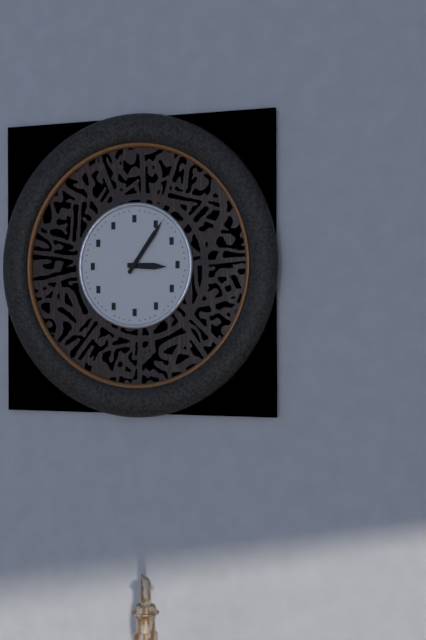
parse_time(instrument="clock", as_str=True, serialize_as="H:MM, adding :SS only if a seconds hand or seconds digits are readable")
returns 3:06
